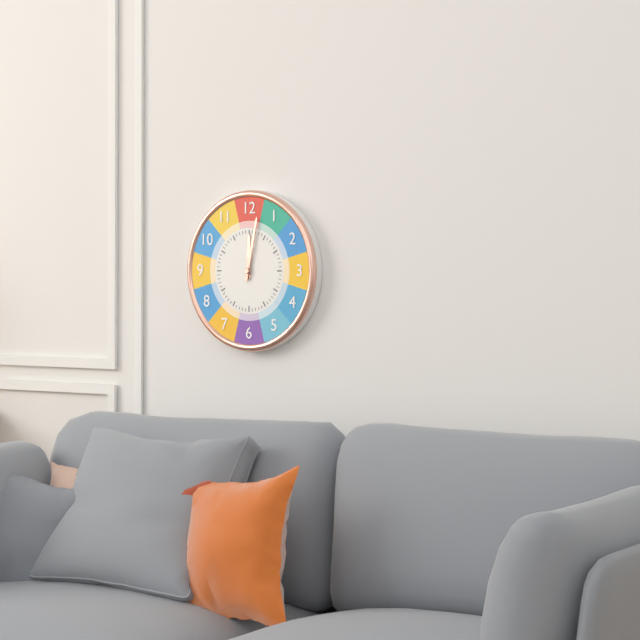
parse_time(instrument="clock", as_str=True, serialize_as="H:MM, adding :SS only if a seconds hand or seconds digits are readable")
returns 12:02
